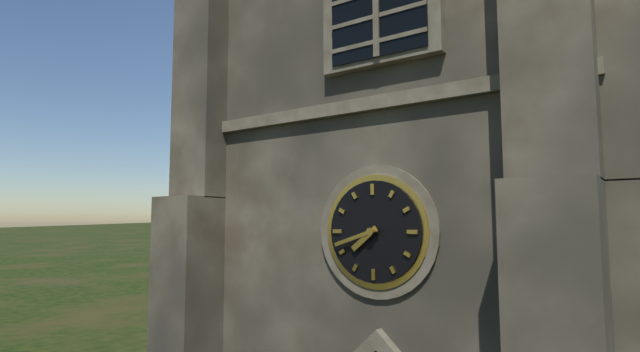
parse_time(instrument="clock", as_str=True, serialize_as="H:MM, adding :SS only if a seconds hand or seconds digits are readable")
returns 7:42
